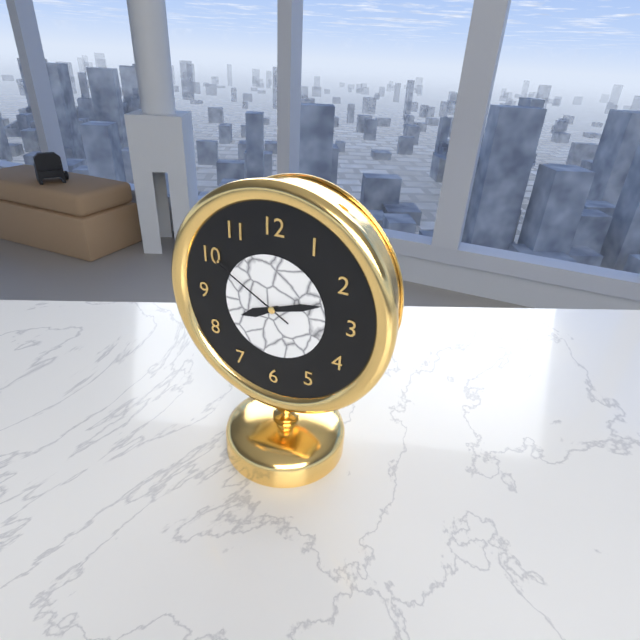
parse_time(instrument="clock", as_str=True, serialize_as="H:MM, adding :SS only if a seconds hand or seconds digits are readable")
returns 8:12:50
